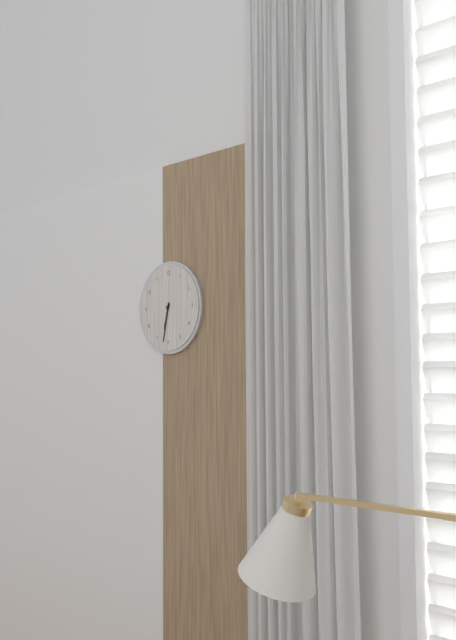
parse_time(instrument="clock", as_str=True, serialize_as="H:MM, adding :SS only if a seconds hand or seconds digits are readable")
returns 6:32
